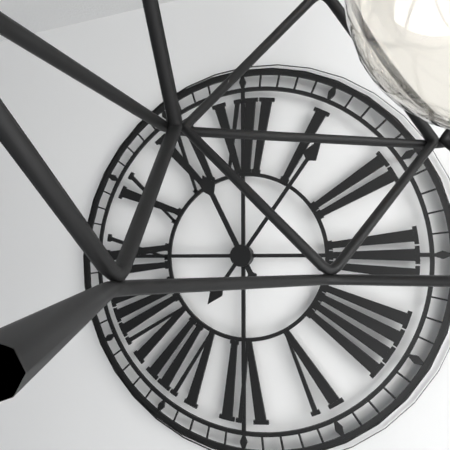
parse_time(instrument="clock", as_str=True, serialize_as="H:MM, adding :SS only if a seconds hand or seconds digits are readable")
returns 11:06
